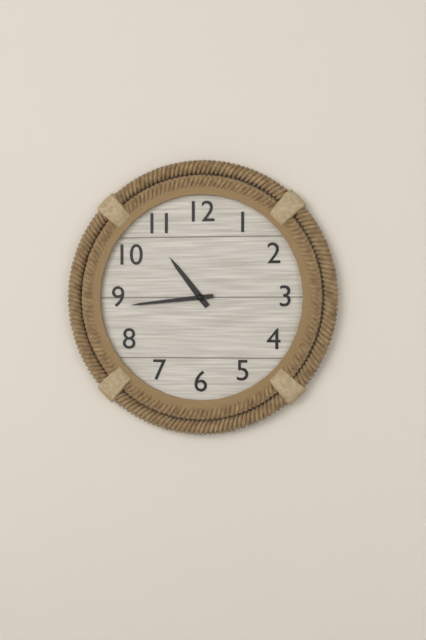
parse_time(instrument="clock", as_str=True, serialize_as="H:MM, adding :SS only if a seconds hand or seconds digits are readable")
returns 10:44
